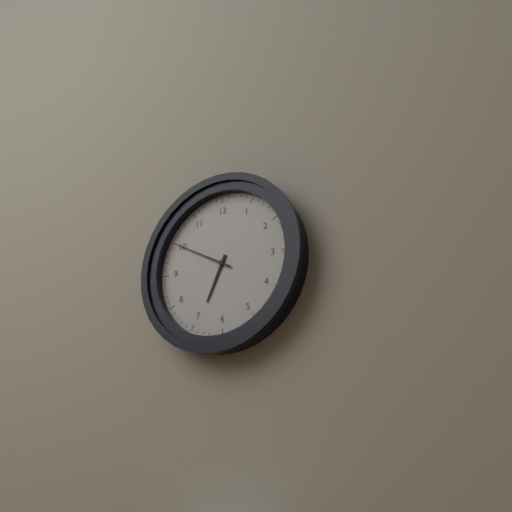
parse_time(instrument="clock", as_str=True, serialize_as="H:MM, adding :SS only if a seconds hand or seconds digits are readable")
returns 6:50
